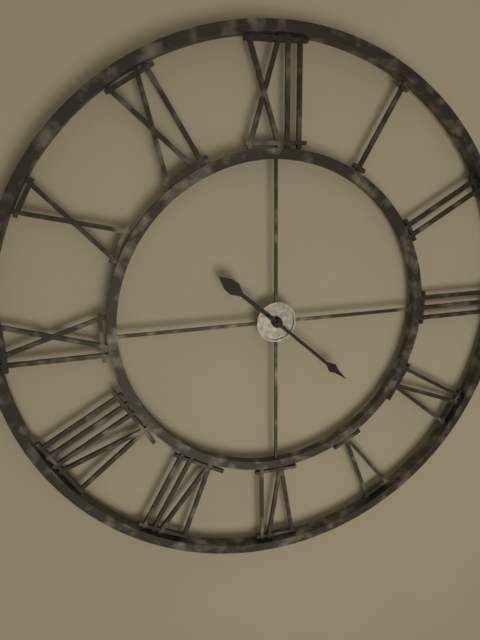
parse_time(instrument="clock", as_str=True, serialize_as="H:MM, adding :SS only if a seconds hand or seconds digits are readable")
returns 10:22
